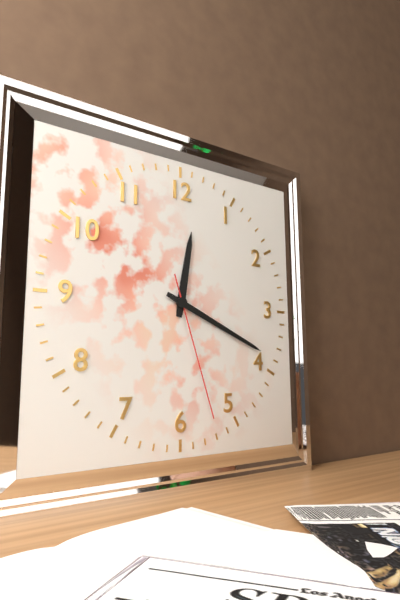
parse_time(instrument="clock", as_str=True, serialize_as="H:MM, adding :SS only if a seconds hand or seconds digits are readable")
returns 12:19:27
